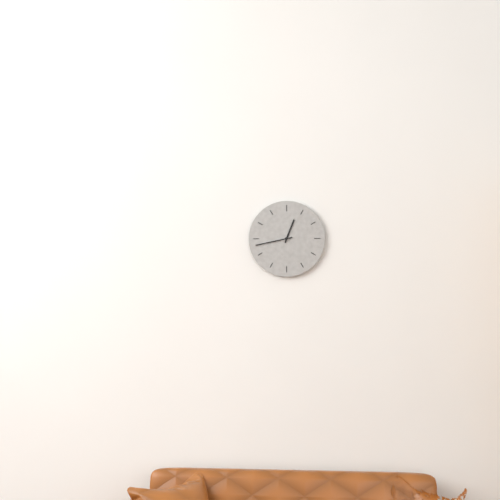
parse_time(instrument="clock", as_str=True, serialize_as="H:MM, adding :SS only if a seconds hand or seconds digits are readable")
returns 12:43
